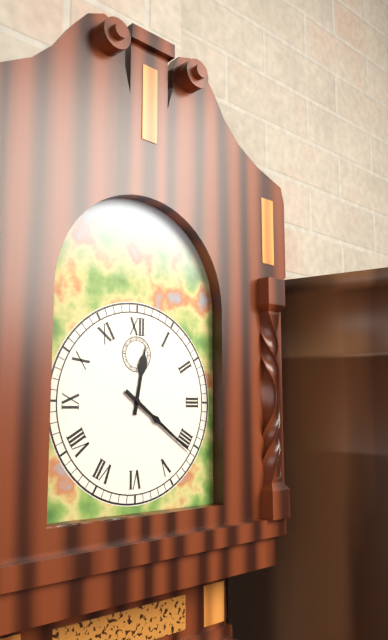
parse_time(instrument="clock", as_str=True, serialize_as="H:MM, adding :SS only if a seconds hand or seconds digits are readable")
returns 12:21
